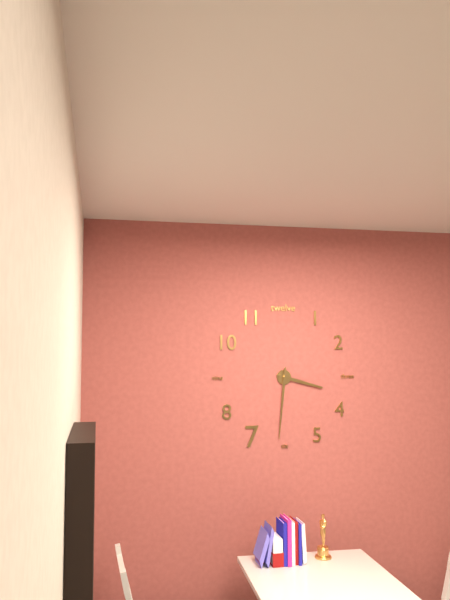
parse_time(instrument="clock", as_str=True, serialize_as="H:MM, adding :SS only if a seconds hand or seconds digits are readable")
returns 3:31
